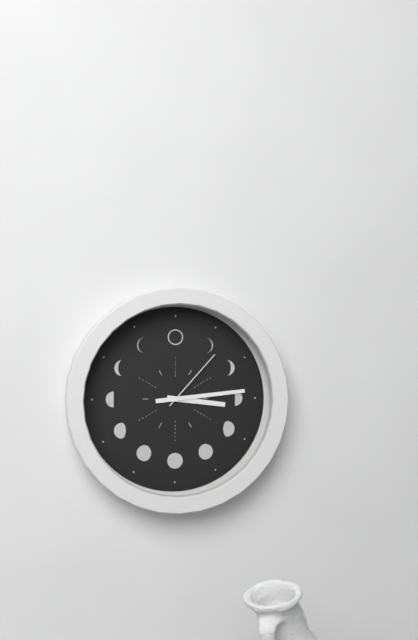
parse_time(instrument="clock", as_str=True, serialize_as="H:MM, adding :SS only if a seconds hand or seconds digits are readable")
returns 3:14:07
